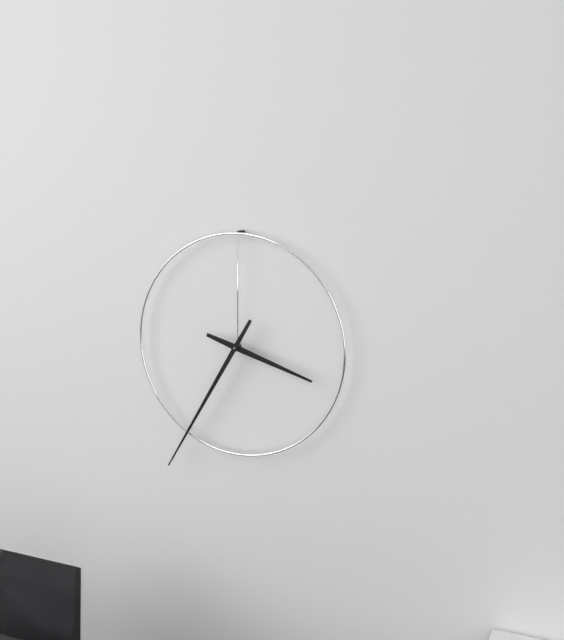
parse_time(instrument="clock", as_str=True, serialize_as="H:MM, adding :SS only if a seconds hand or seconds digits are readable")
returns 3:35
